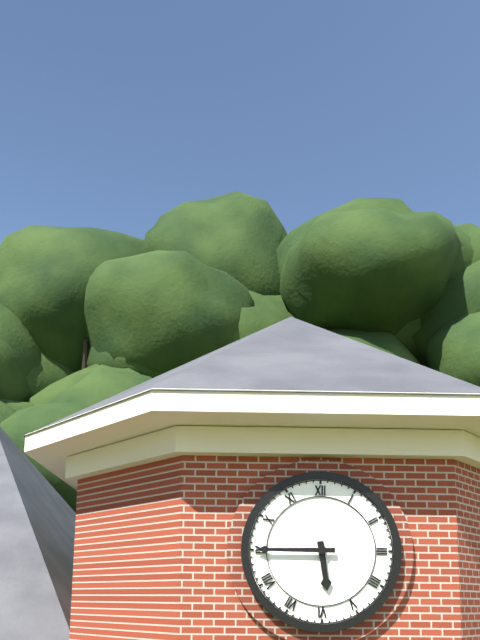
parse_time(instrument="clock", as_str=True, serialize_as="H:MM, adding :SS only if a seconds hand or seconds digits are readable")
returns 5:45
